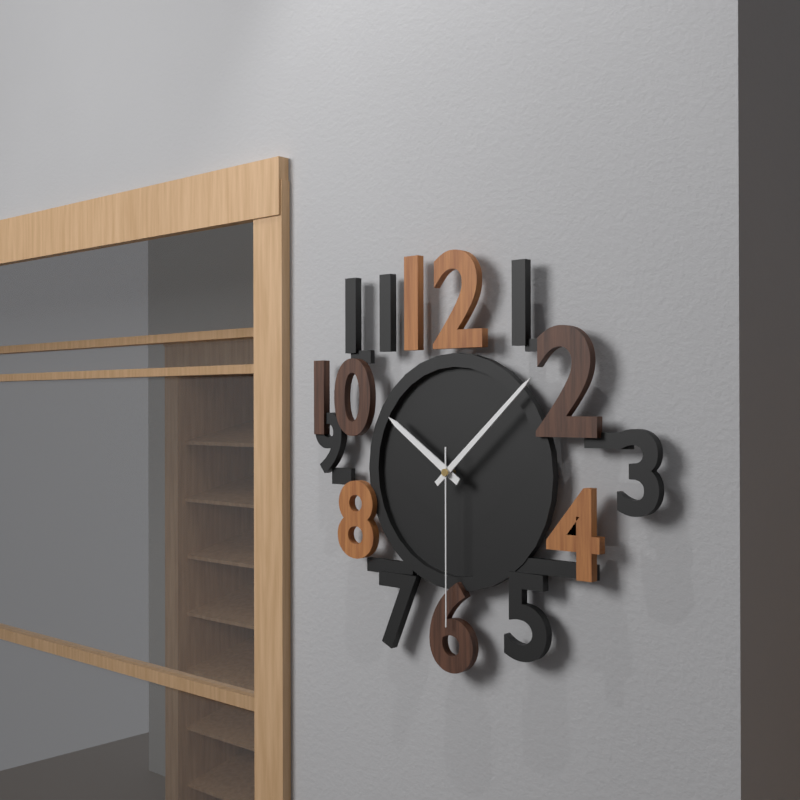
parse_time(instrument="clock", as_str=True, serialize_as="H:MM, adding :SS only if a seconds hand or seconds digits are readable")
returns 10:08:30
